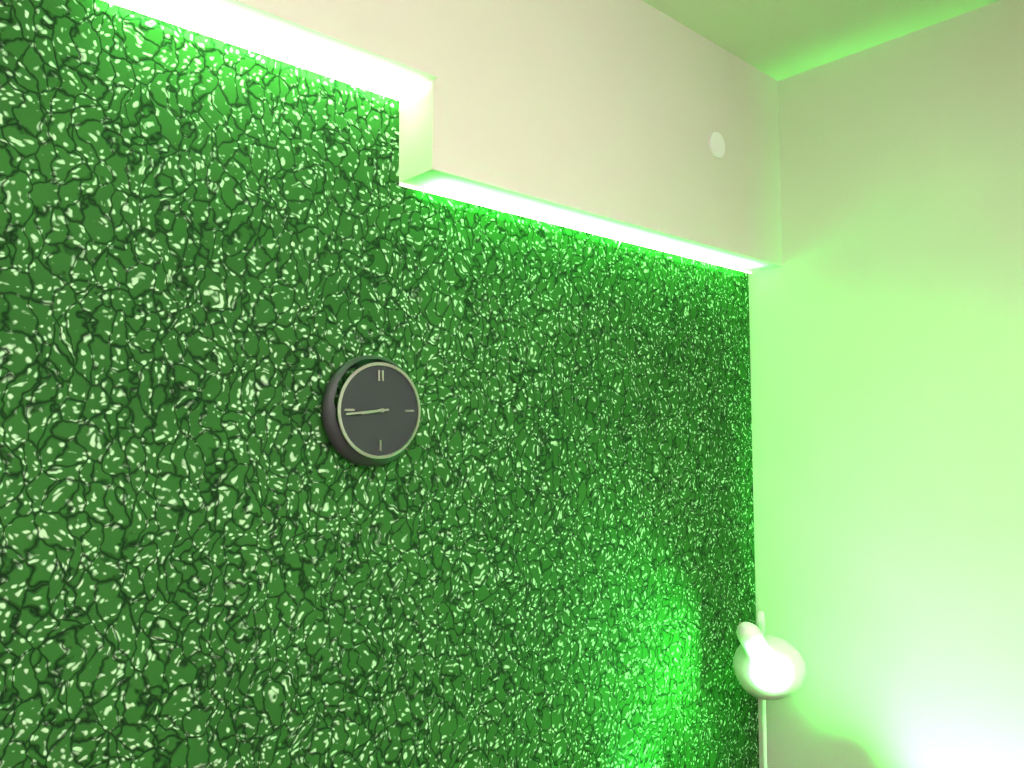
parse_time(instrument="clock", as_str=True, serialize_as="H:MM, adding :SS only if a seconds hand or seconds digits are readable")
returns 8:44
